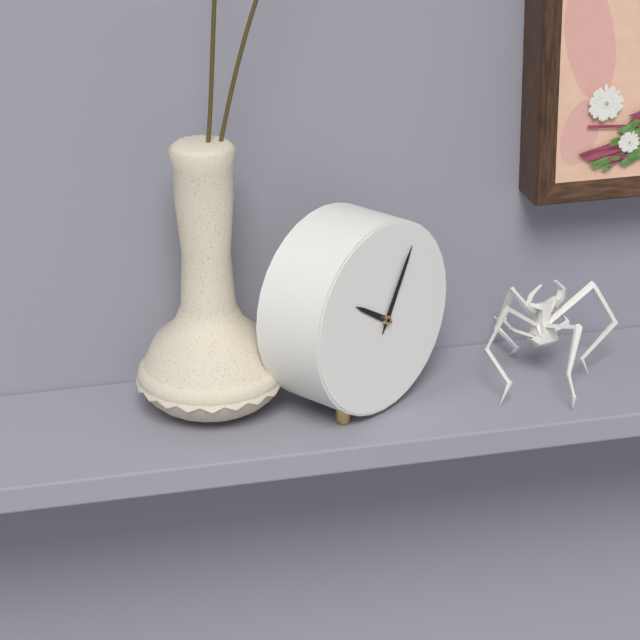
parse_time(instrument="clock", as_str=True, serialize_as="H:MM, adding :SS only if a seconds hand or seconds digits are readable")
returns 10:05
